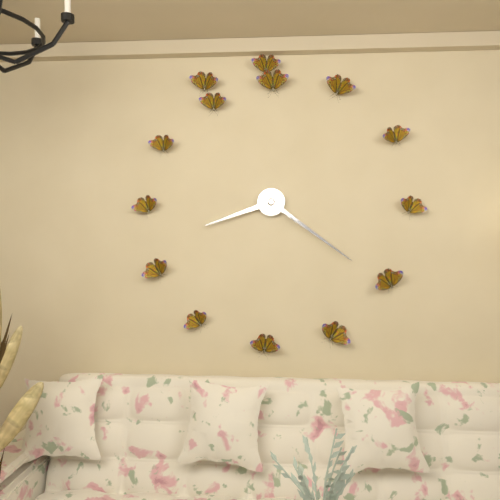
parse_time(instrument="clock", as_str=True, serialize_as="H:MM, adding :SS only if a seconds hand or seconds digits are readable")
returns 8:21
